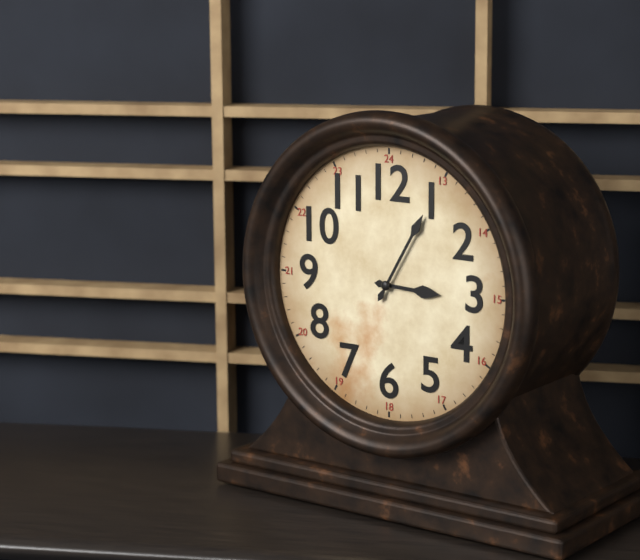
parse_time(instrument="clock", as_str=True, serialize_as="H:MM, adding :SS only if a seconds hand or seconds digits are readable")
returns 3:05
